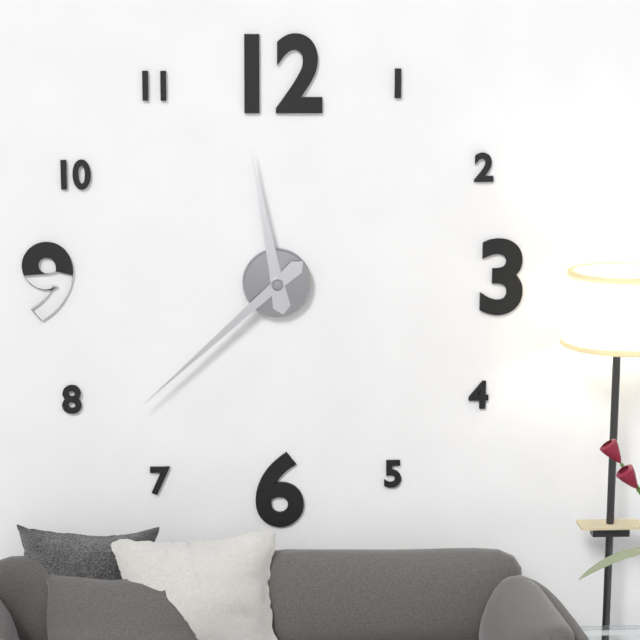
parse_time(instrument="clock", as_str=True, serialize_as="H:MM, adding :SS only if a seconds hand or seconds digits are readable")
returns 11:38
